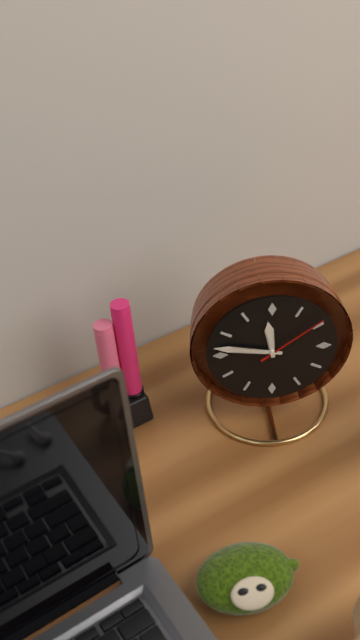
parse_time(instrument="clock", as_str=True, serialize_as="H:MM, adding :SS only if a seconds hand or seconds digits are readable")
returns 11:47:09
